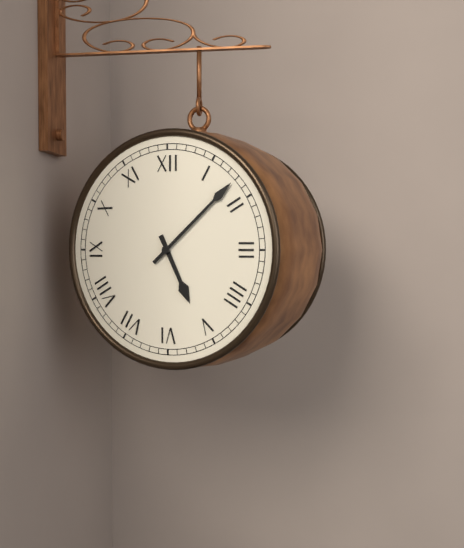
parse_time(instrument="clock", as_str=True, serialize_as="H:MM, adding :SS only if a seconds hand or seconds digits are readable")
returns 5:08
